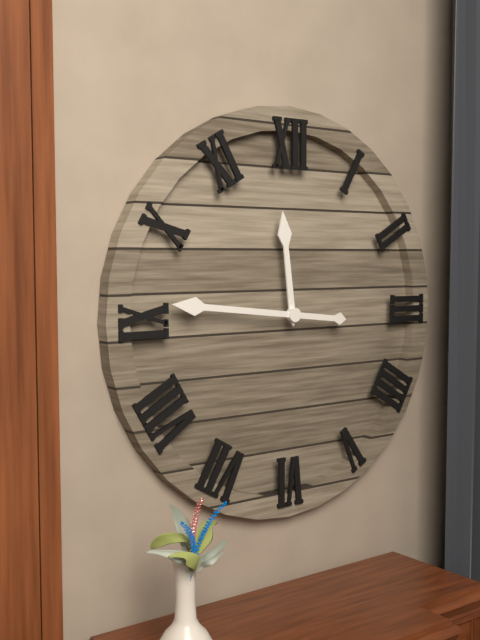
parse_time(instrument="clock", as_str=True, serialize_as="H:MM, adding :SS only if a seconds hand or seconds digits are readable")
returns 11:46
